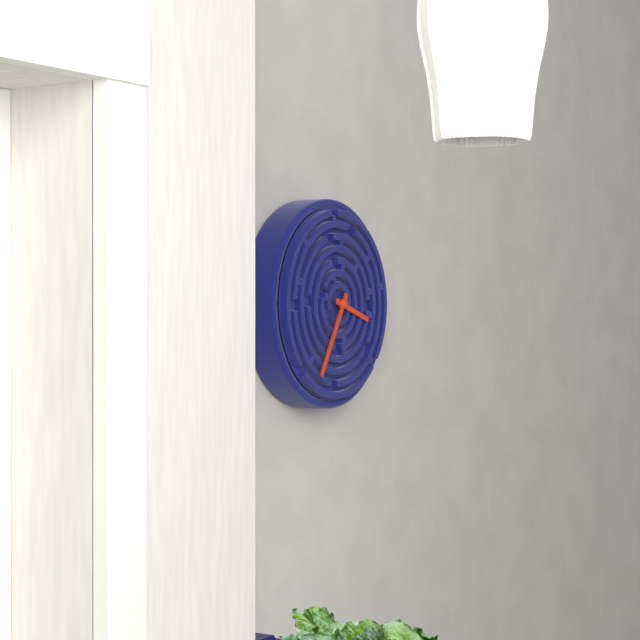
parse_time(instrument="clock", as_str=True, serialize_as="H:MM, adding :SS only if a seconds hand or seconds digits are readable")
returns 3:35
